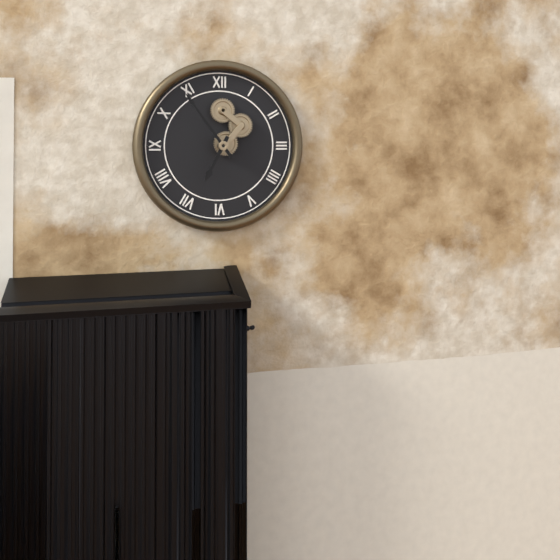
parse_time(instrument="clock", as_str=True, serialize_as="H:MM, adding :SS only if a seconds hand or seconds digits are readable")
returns 6:54
